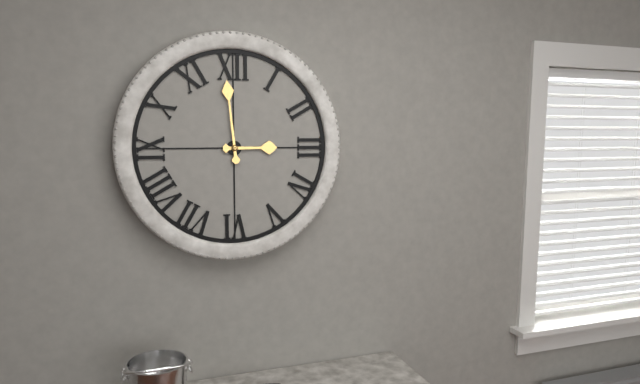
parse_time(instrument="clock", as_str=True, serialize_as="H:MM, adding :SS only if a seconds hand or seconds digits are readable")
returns 2:59
